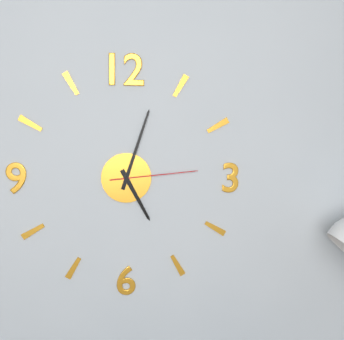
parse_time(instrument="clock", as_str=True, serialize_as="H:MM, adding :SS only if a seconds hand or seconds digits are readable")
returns 5:03:14
